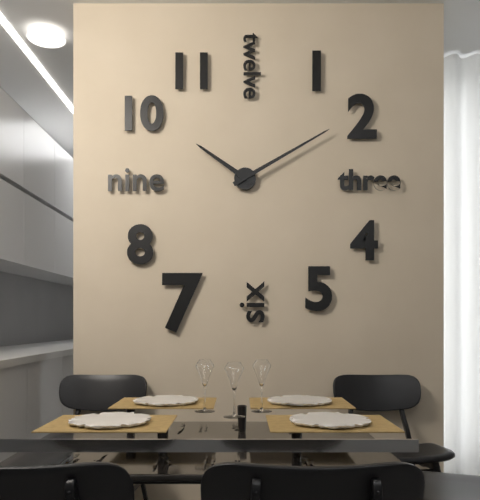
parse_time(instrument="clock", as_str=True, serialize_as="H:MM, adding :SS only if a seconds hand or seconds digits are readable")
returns 10:10
